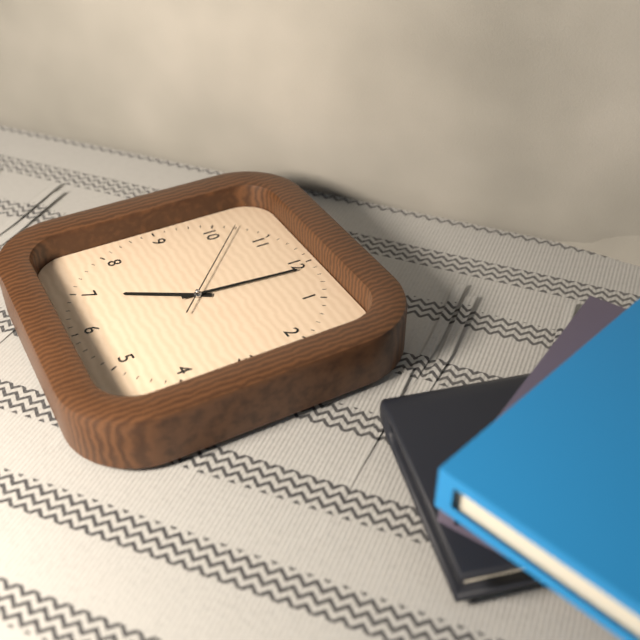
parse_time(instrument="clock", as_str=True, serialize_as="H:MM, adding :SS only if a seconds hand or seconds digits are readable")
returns 7:01:52
